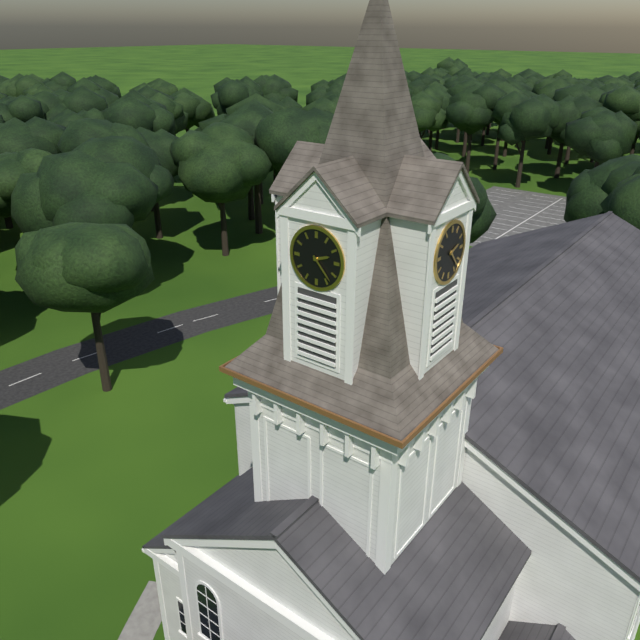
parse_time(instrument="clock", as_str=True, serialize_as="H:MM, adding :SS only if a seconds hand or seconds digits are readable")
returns 2:23
